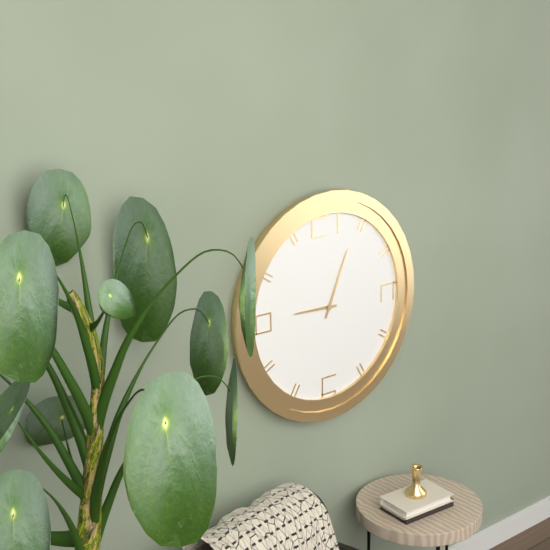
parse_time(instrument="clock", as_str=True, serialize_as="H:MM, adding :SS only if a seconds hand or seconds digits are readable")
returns 9:04
